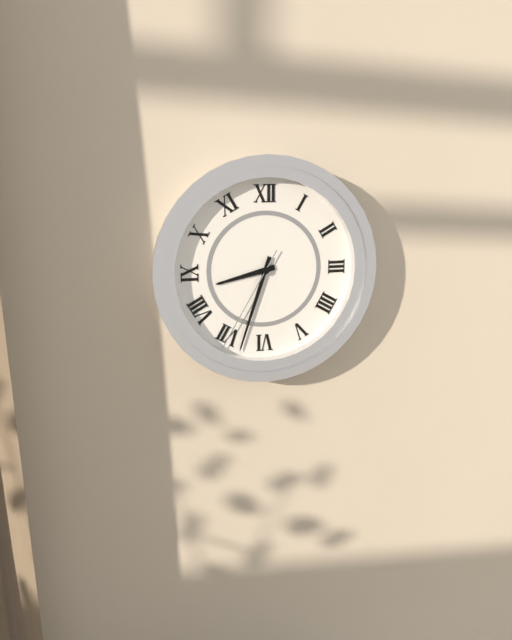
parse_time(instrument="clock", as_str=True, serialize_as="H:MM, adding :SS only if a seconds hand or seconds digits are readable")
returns 8:33:35
